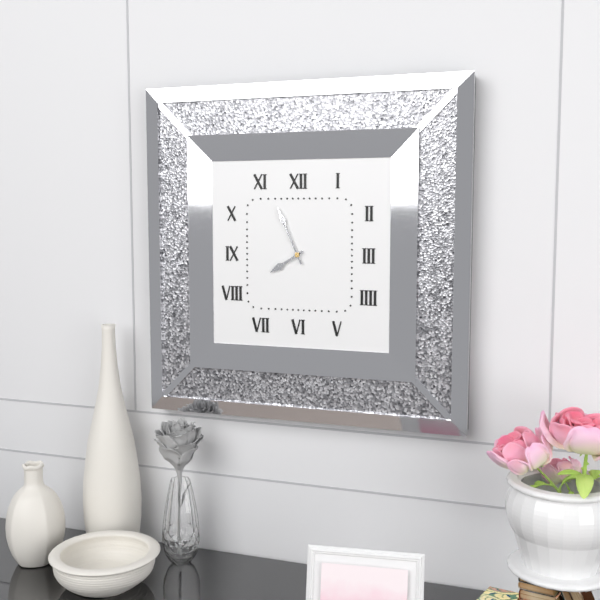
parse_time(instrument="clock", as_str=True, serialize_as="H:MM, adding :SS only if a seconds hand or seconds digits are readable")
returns 7:56
